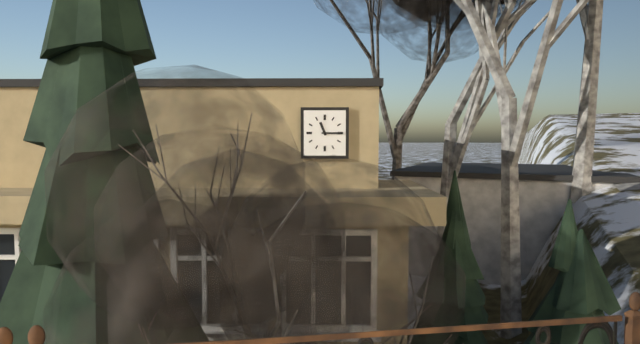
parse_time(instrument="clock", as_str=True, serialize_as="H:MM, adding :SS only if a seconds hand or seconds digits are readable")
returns 11:15
